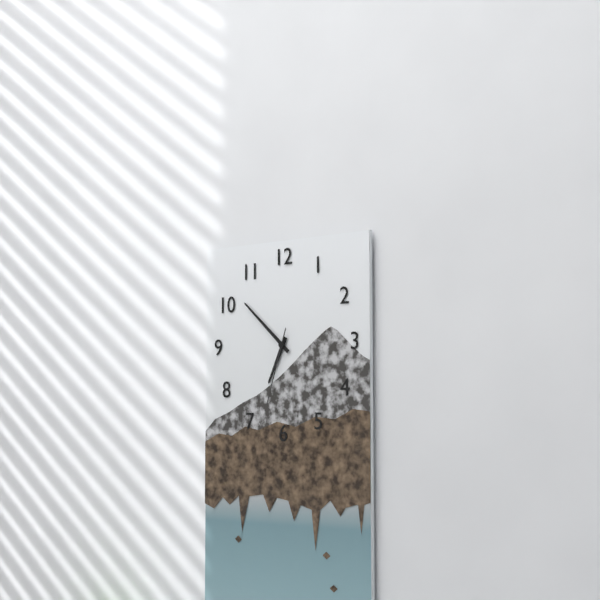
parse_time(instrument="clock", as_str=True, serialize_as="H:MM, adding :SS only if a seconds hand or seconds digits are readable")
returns 6:52:33
